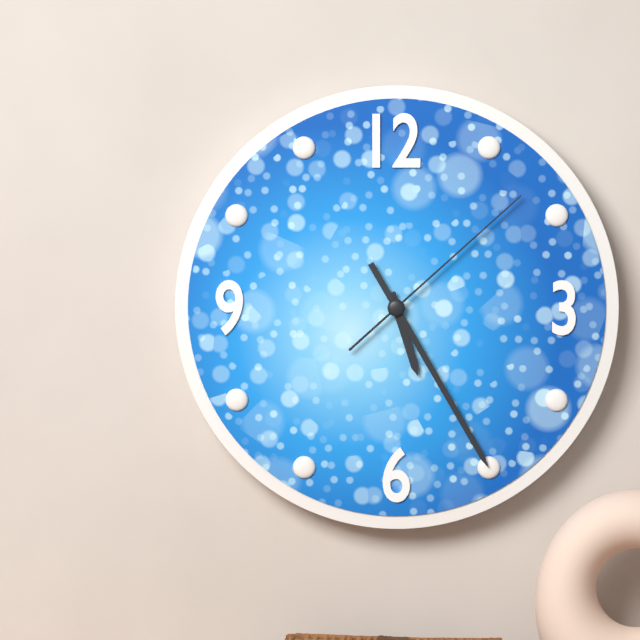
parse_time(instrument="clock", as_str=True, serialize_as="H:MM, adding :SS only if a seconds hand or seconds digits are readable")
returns 5:25:08
